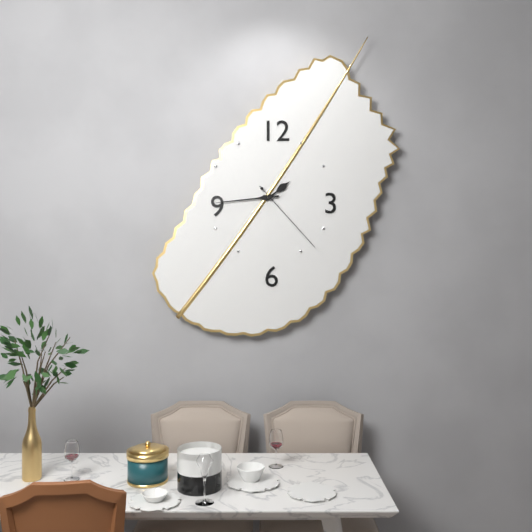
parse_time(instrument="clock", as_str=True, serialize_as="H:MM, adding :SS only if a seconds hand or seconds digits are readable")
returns 1:44:23
